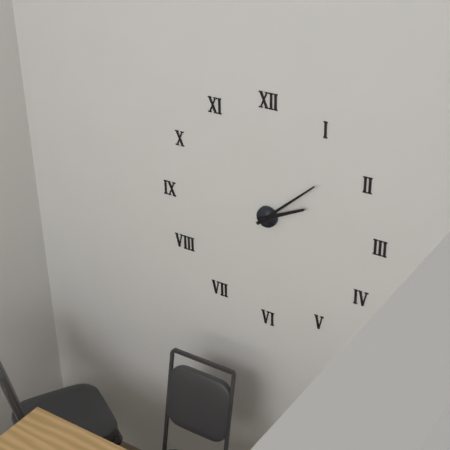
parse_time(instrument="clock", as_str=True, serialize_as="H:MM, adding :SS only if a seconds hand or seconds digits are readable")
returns 2:08
